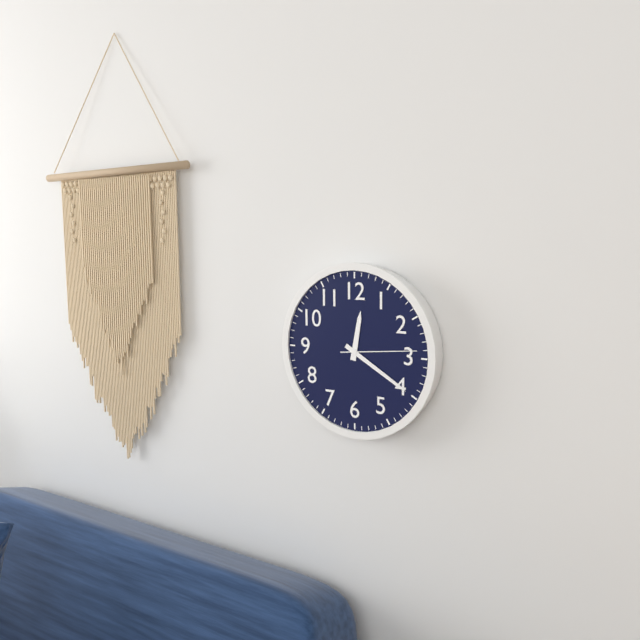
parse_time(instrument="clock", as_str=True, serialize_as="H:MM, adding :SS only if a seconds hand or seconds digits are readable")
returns 12:20:14
